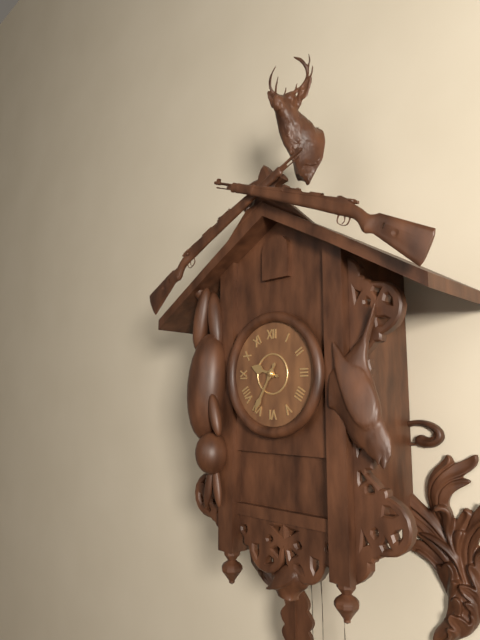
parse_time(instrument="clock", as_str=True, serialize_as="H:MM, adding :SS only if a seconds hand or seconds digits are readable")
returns 9:35
